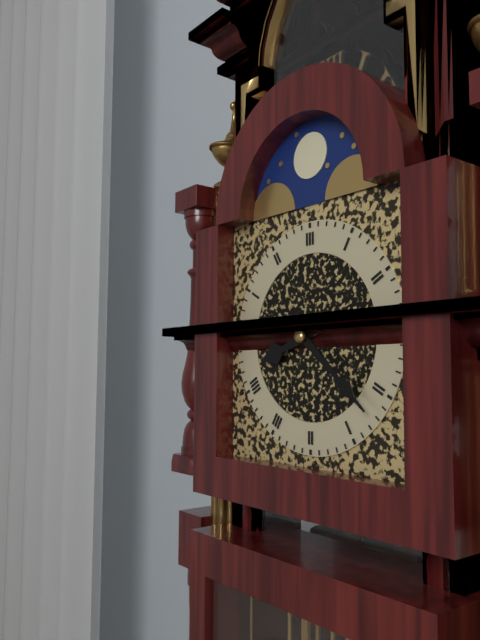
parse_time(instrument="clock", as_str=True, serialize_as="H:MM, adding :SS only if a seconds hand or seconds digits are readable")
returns 8:22
